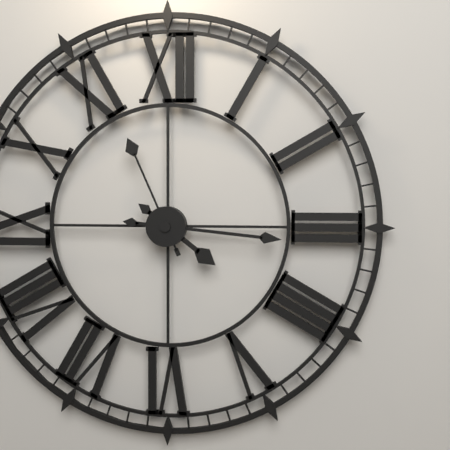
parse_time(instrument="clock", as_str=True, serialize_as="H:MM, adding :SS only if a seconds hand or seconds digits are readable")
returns 4:16:56
